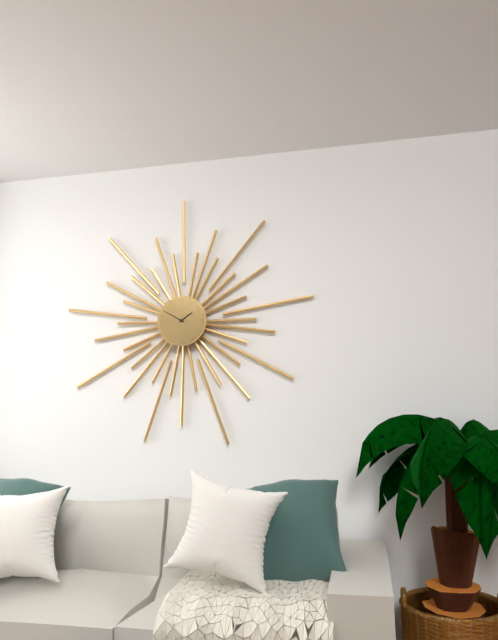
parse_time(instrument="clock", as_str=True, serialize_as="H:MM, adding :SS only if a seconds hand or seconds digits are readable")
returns 1:50
